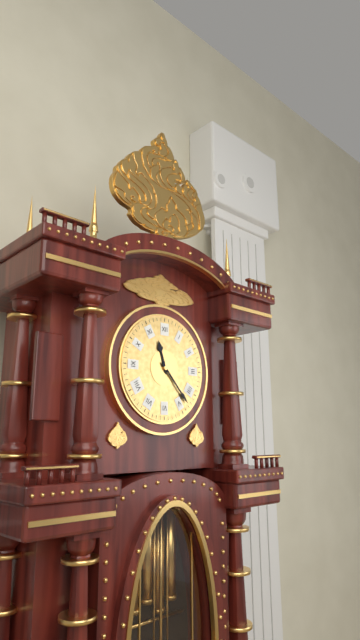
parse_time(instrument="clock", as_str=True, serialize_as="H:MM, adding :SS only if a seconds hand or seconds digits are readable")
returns 11:23
